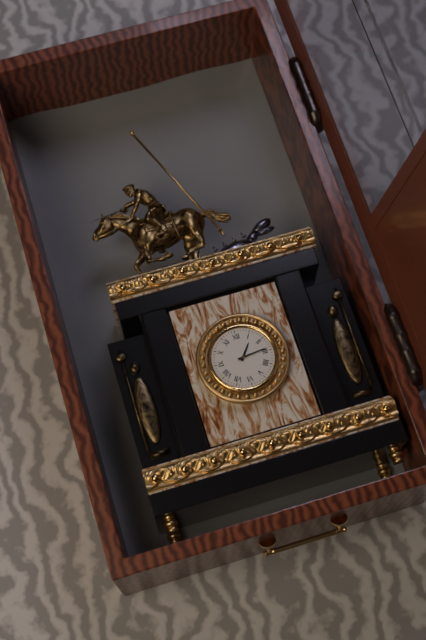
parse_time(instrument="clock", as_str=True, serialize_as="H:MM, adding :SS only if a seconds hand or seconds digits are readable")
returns 1:14
